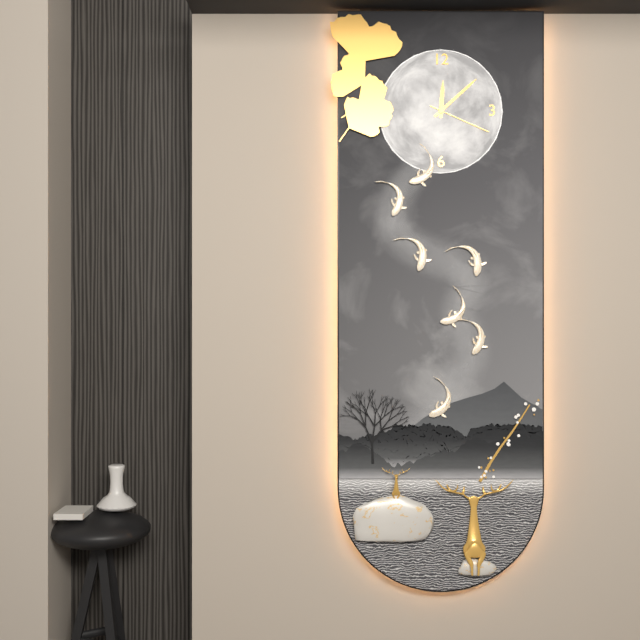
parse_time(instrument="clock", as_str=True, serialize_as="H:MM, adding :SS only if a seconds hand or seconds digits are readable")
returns 12:08:19
